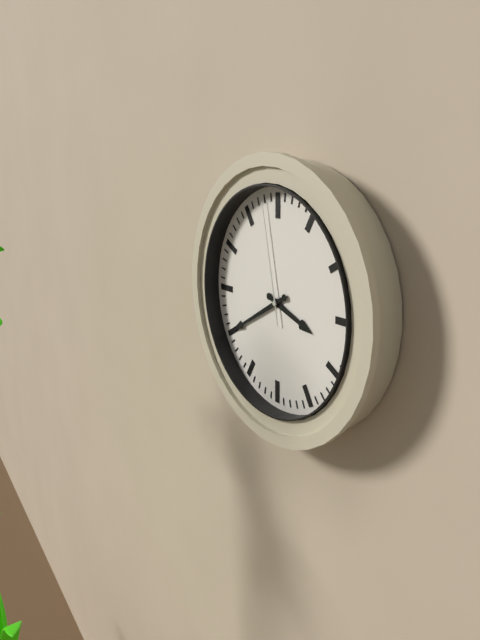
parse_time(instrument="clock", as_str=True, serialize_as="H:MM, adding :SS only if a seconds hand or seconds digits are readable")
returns 3:40:58
